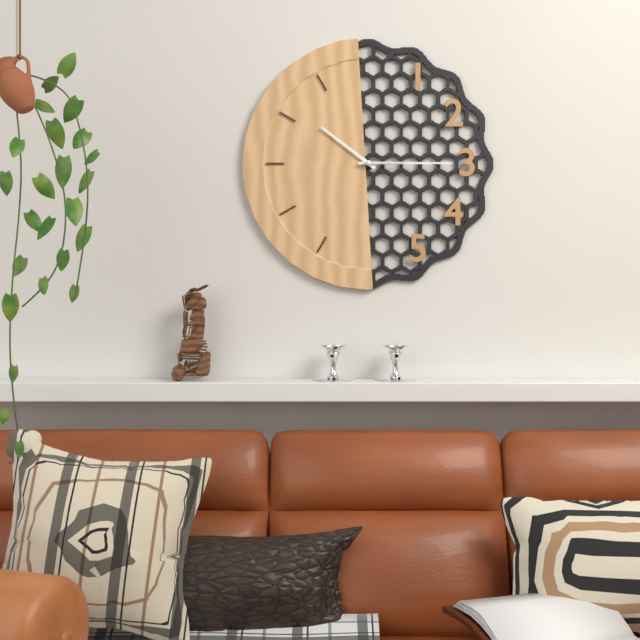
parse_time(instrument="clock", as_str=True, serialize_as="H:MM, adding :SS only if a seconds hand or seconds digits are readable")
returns 10:15
